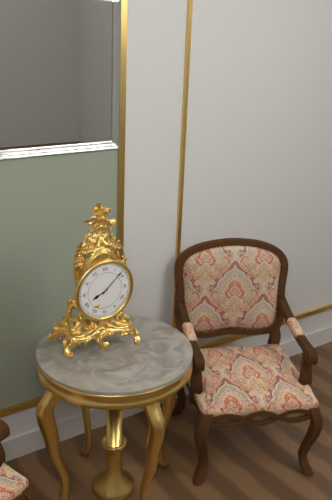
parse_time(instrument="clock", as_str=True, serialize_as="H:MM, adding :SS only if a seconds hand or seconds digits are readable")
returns 8:08
